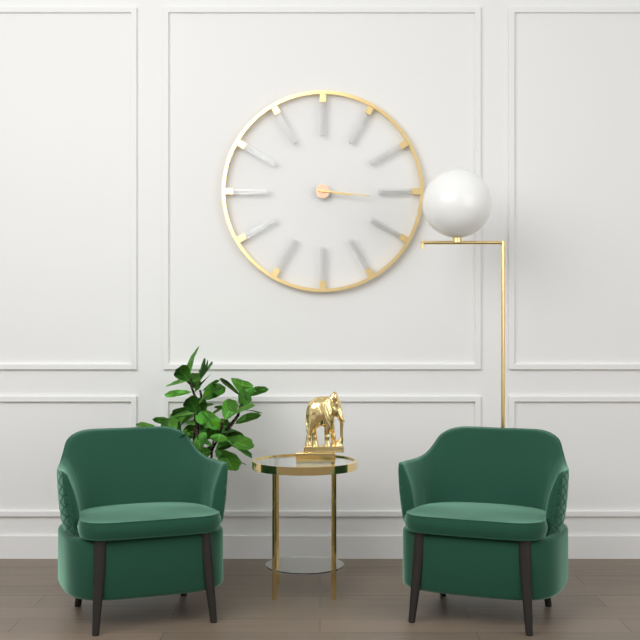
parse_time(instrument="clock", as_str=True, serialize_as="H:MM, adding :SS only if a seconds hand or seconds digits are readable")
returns 3:16
